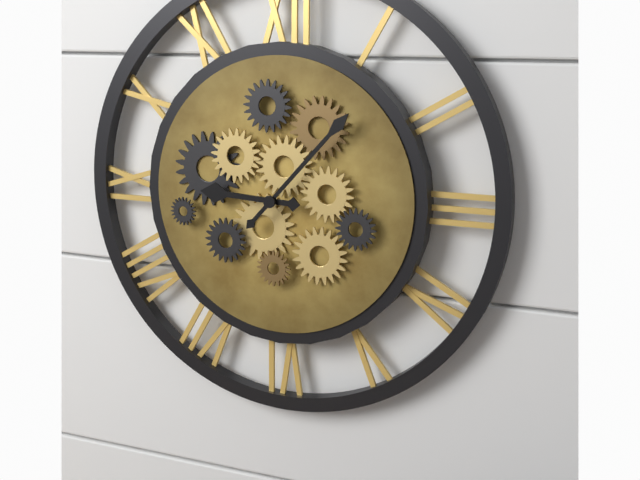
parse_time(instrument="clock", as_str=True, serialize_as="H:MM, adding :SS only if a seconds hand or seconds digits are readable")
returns 9:07
